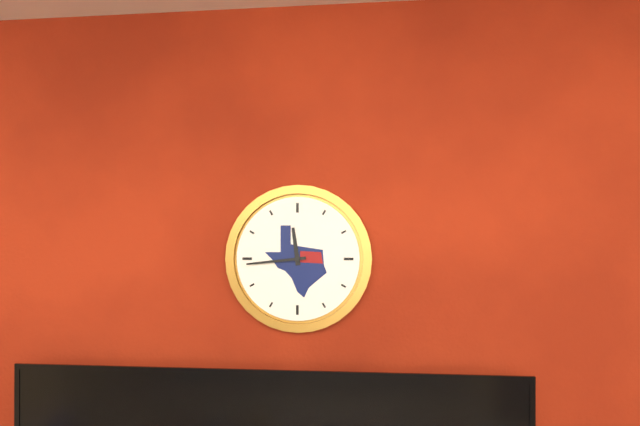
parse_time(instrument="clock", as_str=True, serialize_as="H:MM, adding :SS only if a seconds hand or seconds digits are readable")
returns 11:44
